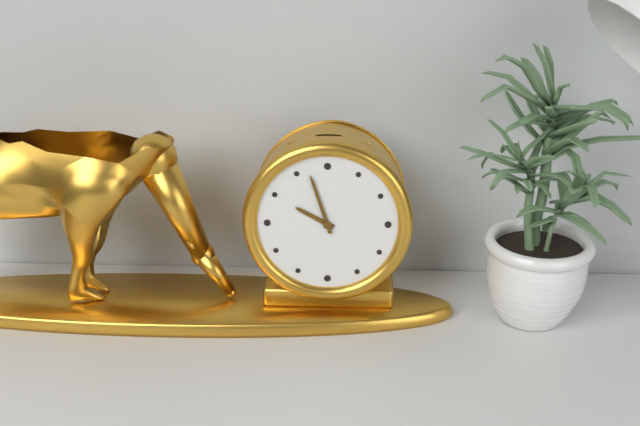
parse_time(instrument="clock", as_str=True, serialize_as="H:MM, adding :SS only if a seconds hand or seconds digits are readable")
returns 9:57
